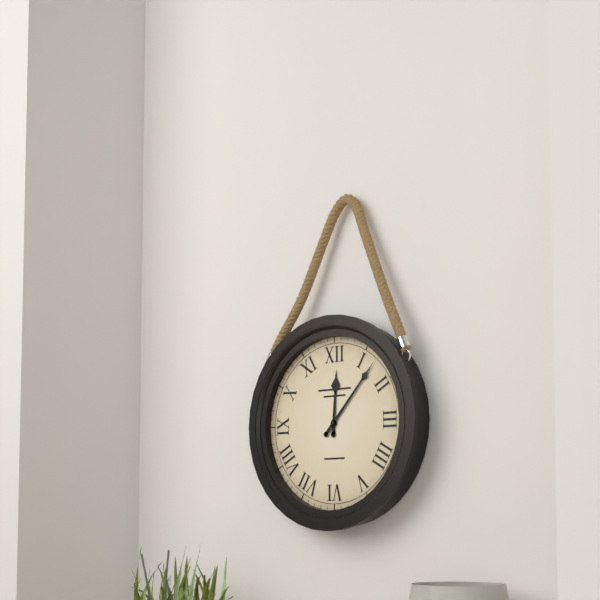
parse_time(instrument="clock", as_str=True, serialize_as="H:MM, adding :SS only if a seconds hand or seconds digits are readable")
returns 12:07
